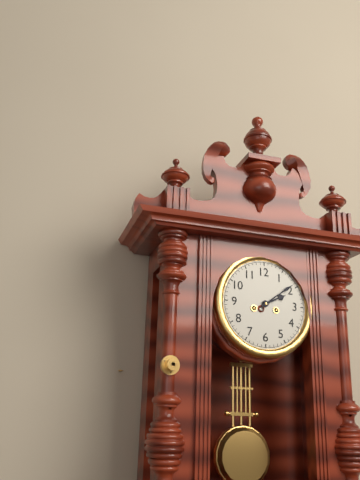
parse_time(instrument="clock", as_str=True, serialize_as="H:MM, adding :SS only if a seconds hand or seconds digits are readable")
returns 2:09
